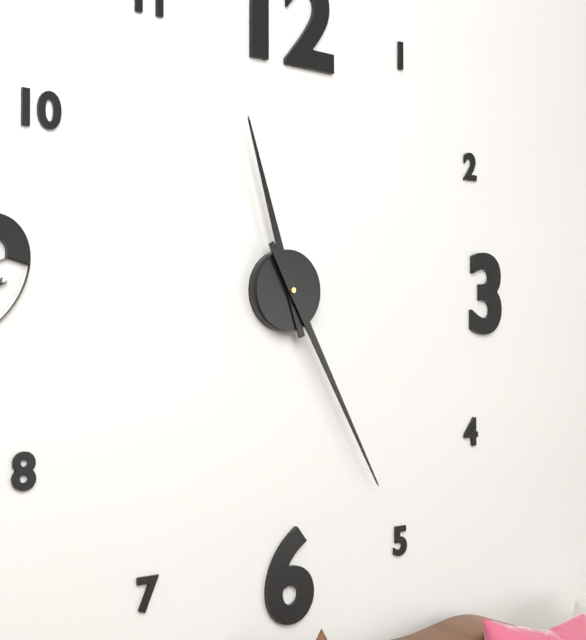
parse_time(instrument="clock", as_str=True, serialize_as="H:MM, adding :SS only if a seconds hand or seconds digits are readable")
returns 11:25
